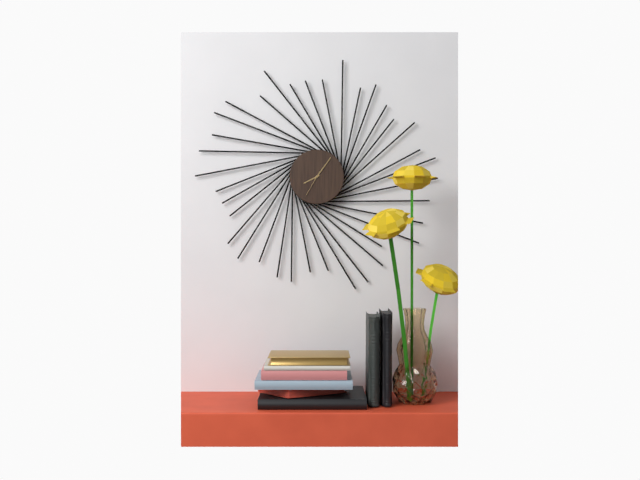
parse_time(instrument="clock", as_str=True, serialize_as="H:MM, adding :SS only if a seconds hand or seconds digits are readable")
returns 8:06
